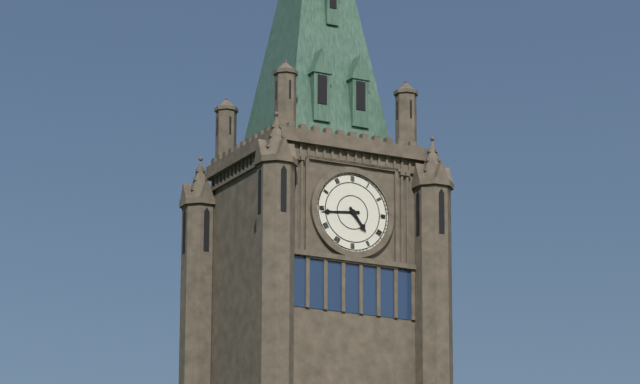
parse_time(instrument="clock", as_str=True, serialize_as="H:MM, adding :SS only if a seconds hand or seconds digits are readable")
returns 4:44
